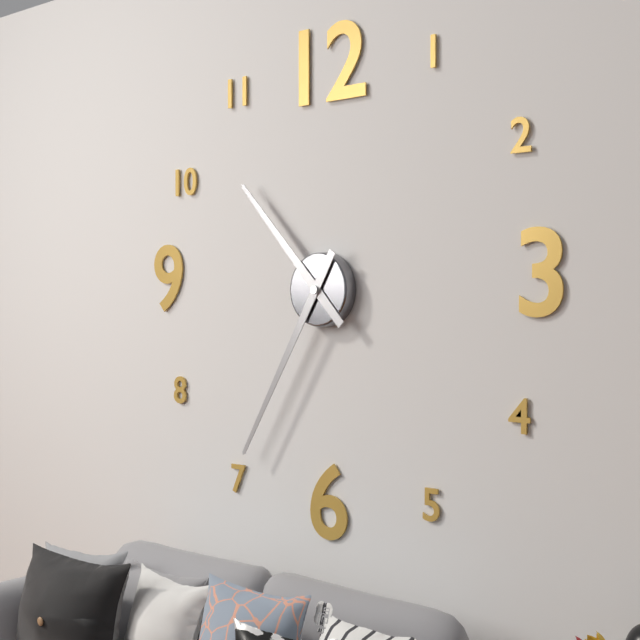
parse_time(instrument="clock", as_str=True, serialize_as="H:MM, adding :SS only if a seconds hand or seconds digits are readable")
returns 10:35
